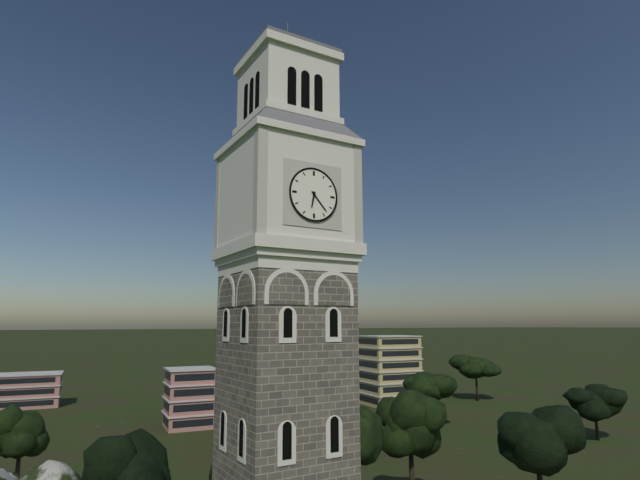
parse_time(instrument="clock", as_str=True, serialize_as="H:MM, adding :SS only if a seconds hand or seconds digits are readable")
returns 6:23
